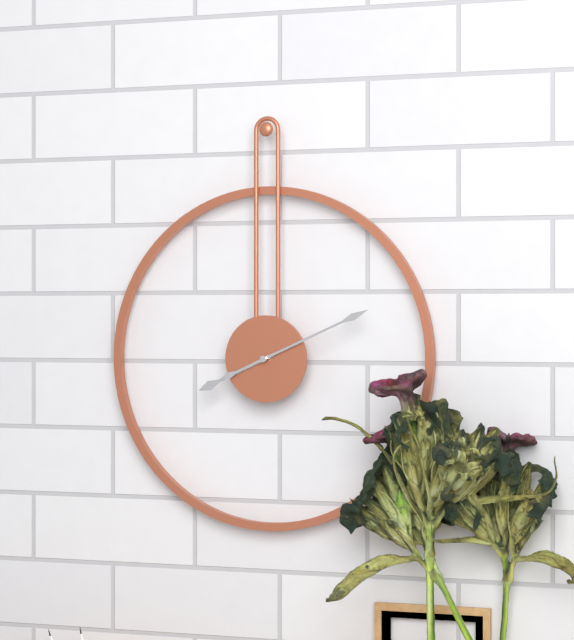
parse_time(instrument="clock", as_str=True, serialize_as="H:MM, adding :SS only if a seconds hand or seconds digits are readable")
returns 8:11
